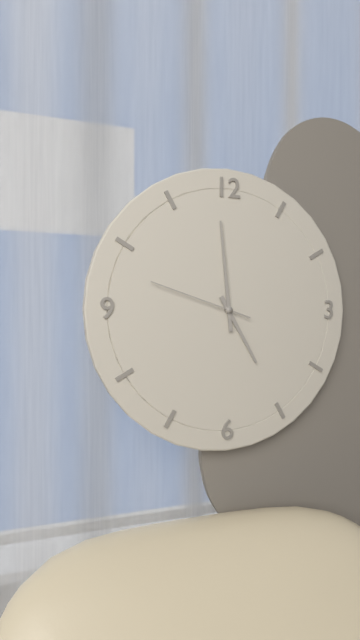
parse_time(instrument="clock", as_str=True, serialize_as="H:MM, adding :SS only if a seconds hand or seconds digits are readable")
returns 4:59:48
